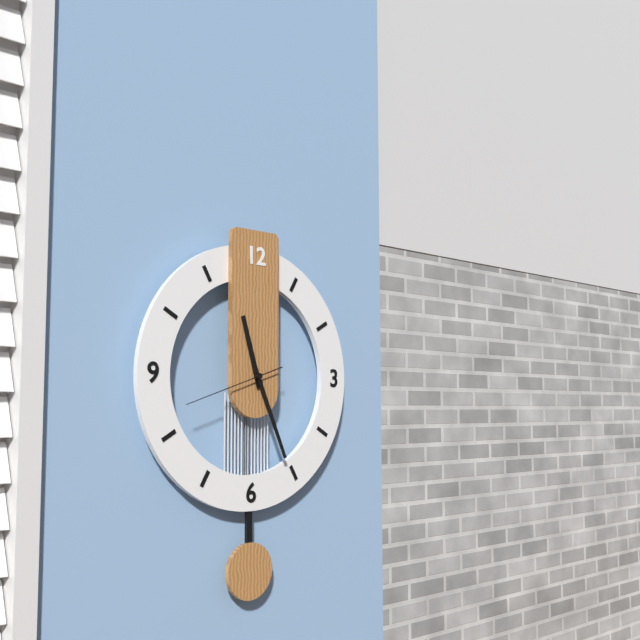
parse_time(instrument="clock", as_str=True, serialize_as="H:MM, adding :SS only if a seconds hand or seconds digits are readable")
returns 11:26:42
